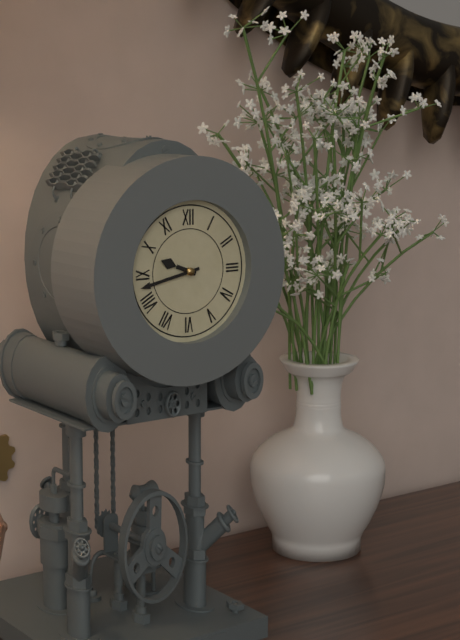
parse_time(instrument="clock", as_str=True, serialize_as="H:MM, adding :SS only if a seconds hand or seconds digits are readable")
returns 9:43
